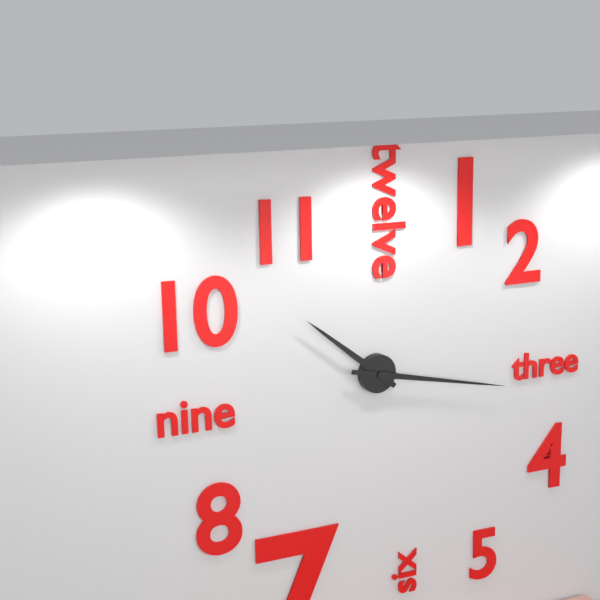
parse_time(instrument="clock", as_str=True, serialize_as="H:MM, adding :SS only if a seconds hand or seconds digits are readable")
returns 10:17
